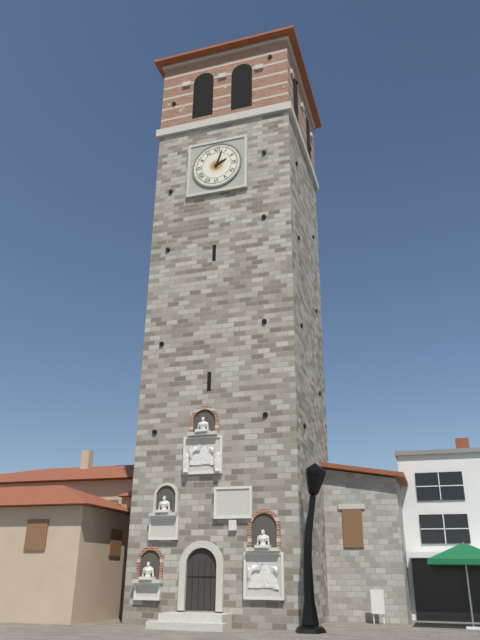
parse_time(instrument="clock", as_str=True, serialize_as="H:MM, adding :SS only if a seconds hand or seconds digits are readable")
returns 2:03
